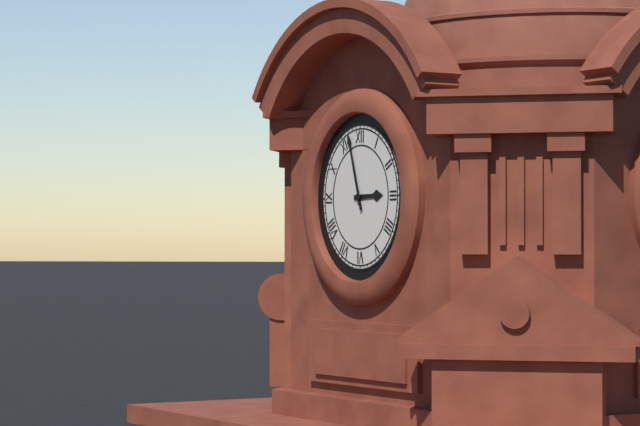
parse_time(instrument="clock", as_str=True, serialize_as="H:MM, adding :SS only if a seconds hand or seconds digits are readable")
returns 2:57
